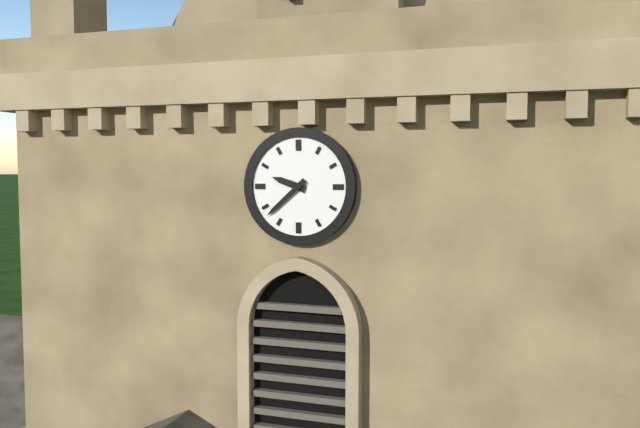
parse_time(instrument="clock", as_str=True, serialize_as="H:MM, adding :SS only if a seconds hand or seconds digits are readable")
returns 9:38
